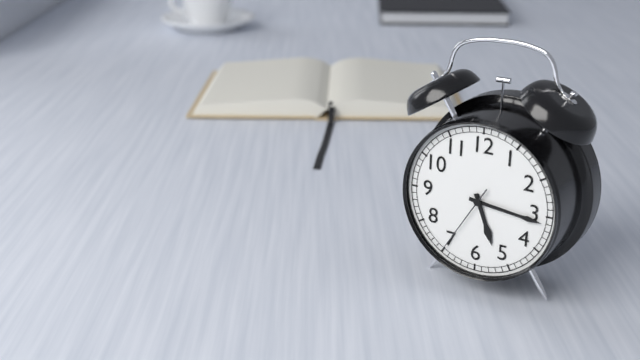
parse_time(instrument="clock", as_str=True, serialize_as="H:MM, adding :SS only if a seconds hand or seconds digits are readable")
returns 5:16:35
